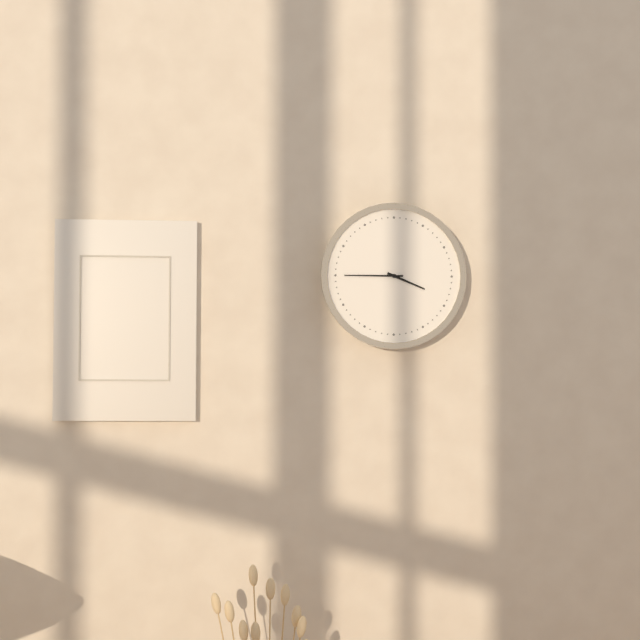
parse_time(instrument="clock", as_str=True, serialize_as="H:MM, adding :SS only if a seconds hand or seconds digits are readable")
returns 3:45
